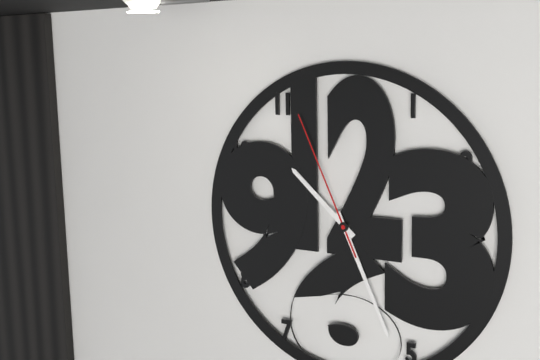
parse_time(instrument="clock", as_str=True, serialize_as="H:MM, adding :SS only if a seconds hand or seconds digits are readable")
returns 10:26:56
